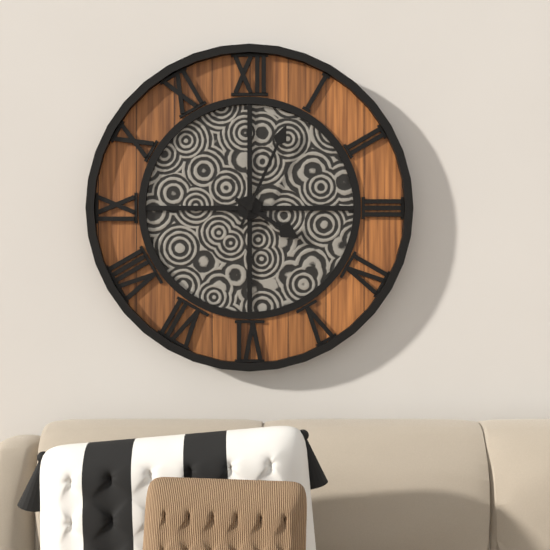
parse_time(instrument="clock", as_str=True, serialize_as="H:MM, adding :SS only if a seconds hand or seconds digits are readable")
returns 4:04
